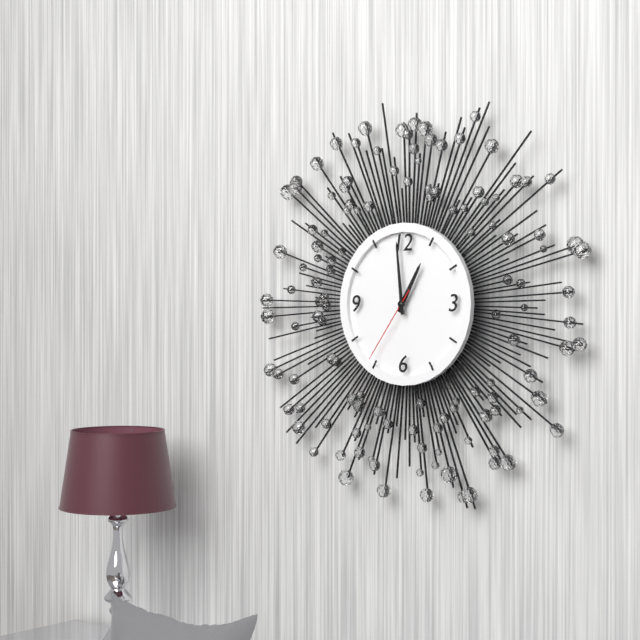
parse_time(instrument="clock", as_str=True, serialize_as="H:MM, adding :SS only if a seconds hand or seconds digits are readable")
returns 12:59:36
